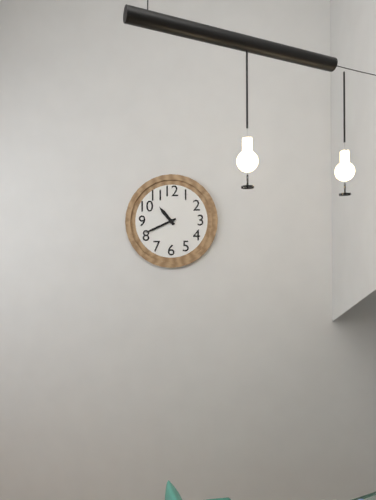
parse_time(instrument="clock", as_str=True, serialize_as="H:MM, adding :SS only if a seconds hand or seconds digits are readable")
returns 10:41
